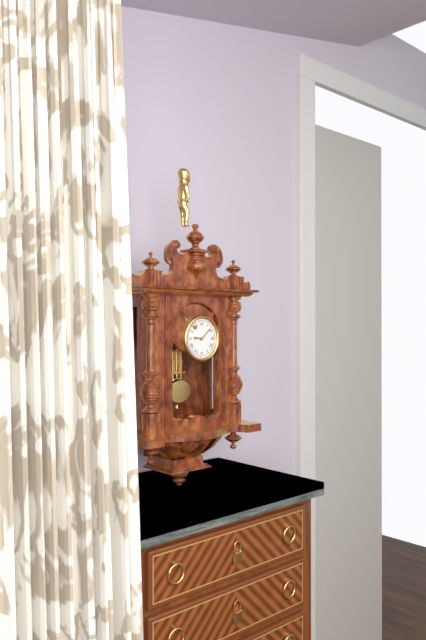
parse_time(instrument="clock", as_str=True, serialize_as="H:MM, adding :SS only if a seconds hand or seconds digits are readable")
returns 9:08
